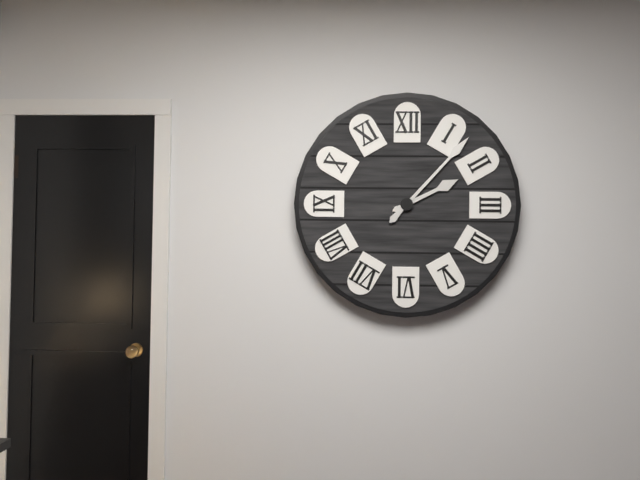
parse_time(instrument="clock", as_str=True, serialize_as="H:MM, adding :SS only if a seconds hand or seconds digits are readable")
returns 2:07
